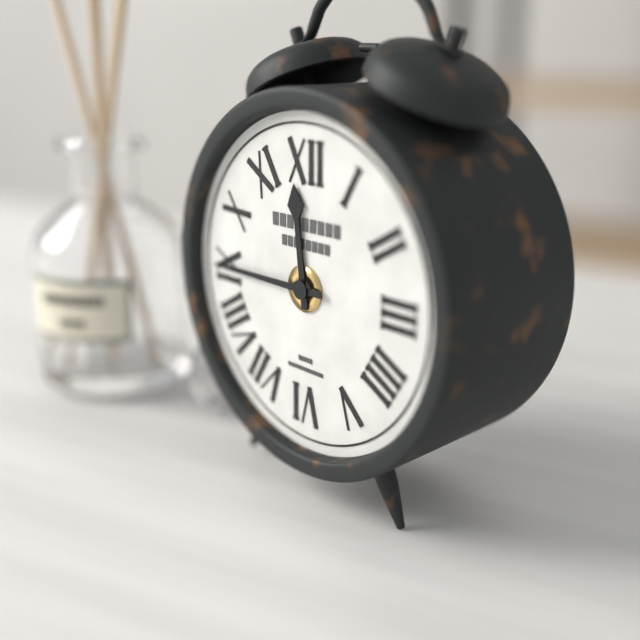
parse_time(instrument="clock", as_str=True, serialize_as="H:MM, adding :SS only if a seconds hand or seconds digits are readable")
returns 11:45
